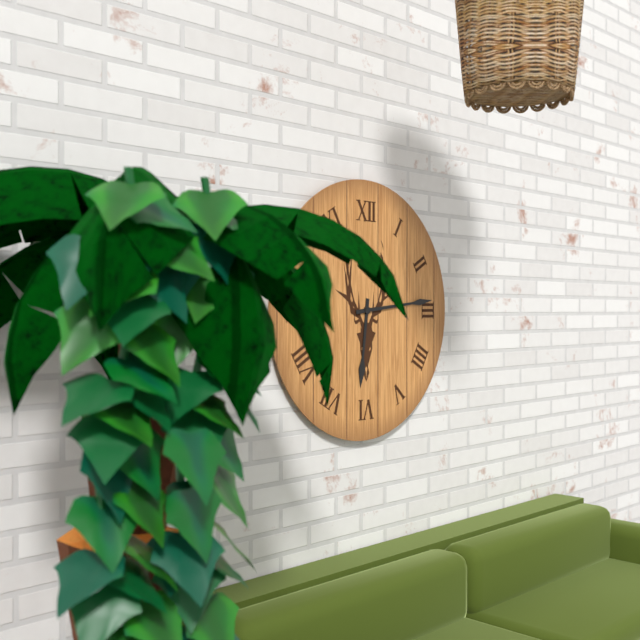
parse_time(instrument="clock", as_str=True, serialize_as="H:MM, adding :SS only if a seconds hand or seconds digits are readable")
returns 6:14
